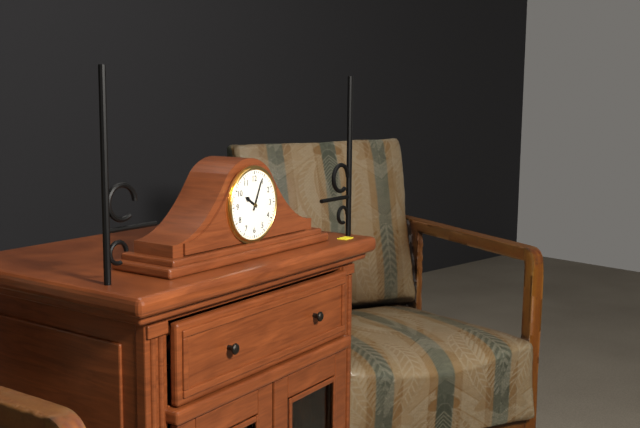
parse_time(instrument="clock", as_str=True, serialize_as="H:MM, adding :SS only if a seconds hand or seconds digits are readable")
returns 10:04
